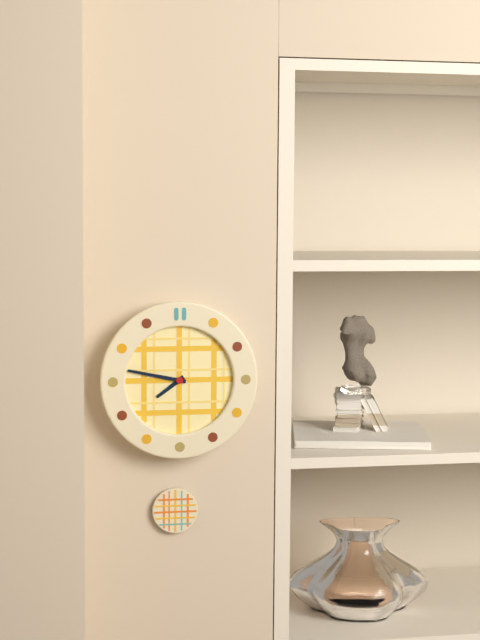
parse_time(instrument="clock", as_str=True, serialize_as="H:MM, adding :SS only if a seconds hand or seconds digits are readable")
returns 7:47
